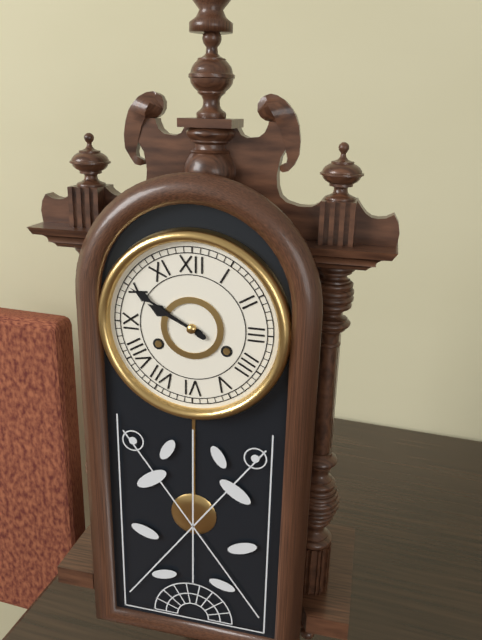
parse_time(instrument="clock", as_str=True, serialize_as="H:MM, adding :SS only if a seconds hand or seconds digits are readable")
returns 9:50
